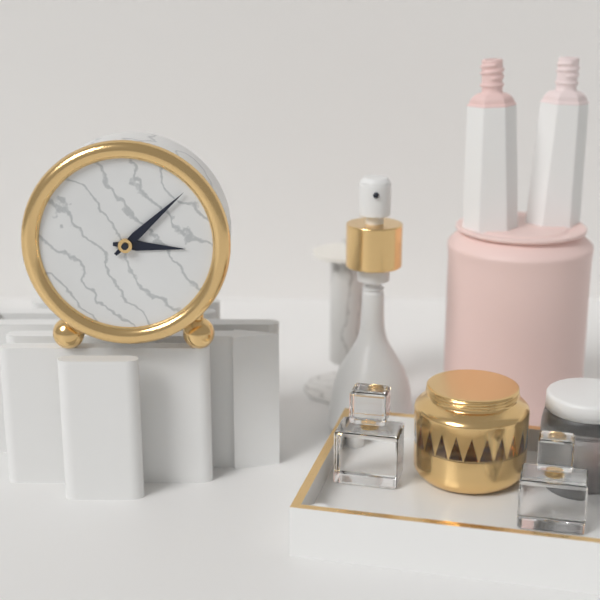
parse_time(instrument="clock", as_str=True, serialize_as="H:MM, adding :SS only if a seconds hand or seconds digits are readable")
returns 3:08
